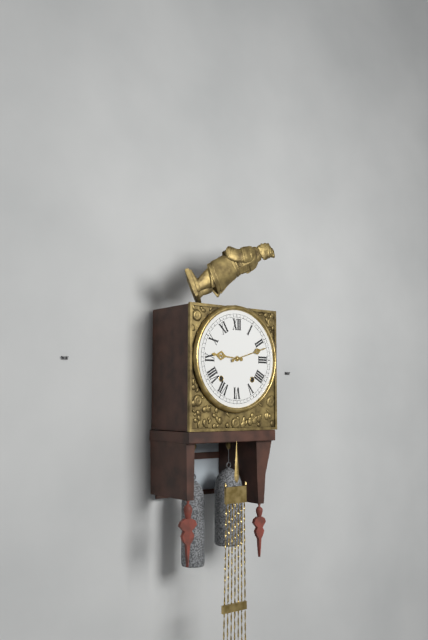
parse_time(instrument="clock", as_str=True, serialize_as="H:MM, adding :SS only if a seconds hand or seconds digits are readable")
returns 9:12
